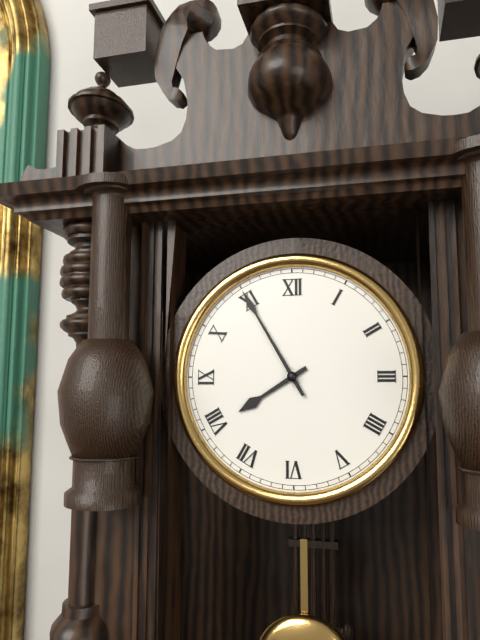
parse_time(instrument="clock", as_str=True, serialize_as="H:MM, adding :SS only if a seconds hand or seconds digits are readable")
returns 7:55
